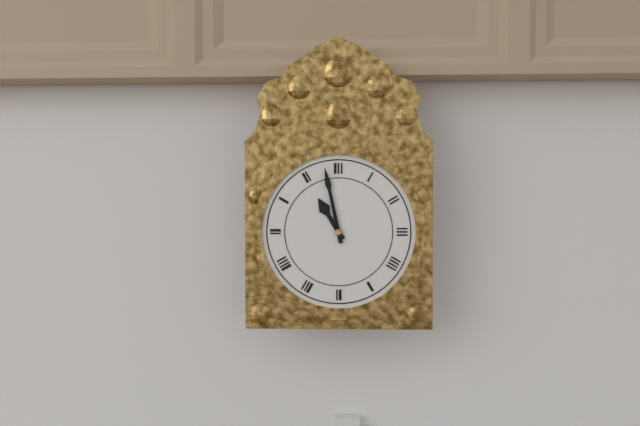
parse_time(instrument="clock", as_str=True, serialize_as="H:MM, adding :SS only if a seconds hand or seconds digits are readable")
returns 10:58
